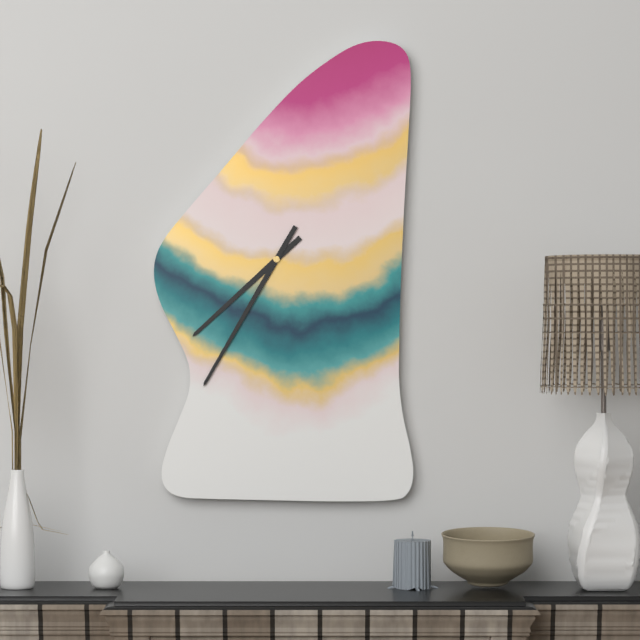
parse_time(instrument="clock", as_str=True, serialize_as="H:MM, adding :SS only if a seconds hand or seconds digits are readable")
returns 7:35
